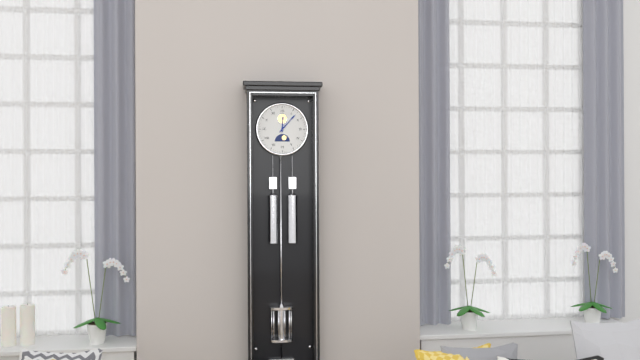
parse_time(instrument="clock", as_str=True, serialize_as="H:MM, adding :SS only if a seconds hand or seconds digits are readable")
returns 12:07
